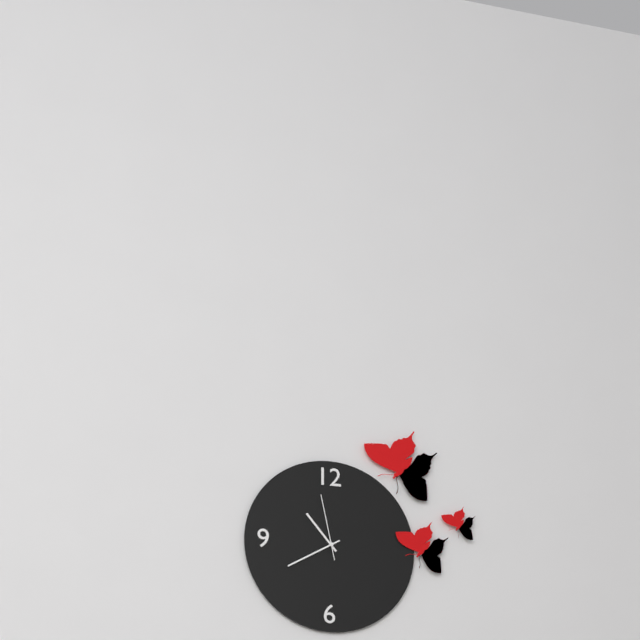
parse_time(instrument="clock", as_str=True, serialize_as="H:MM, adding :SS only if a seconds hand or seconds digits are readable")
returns 10:40:58
